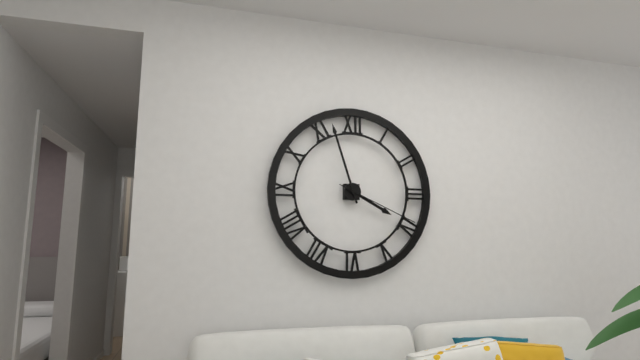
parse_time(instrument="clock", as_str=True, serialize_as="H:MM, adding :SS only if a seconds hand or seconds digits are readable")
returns 3:57:19
